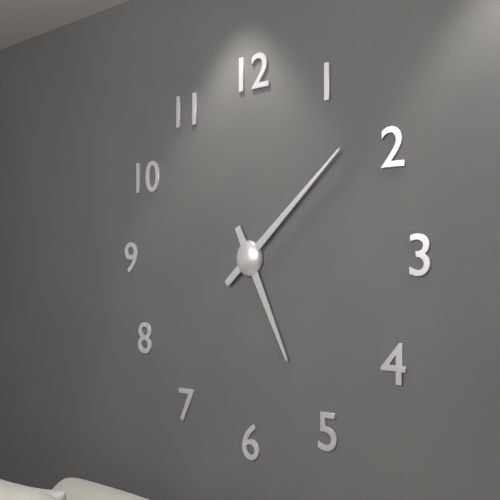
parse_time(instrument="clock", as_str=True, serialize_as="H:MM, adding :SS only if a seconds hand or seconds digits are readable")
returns 5:08
